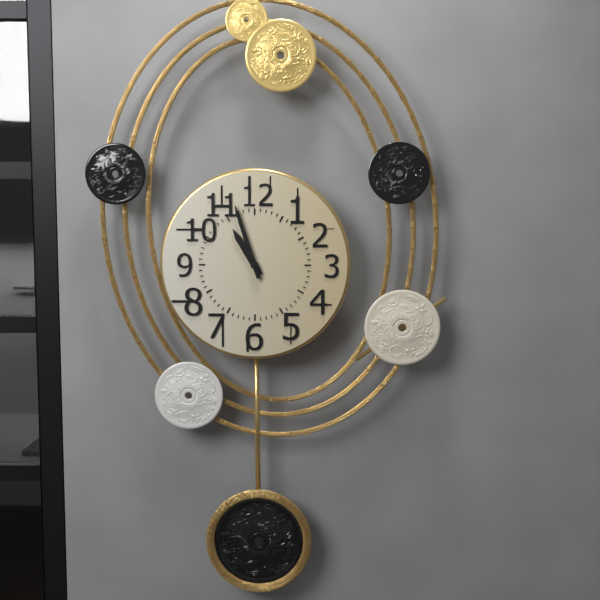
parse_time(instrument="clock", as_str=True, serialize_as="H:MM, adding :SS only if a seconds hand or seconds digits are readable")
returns 10:57
